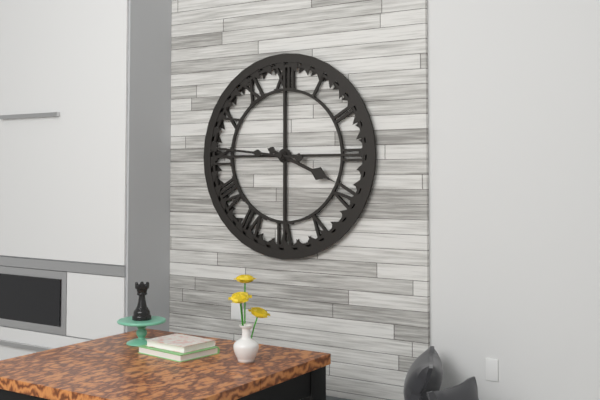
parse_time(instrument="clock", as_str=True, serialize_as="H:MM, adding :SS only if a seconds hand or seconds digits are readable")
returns 3:46
